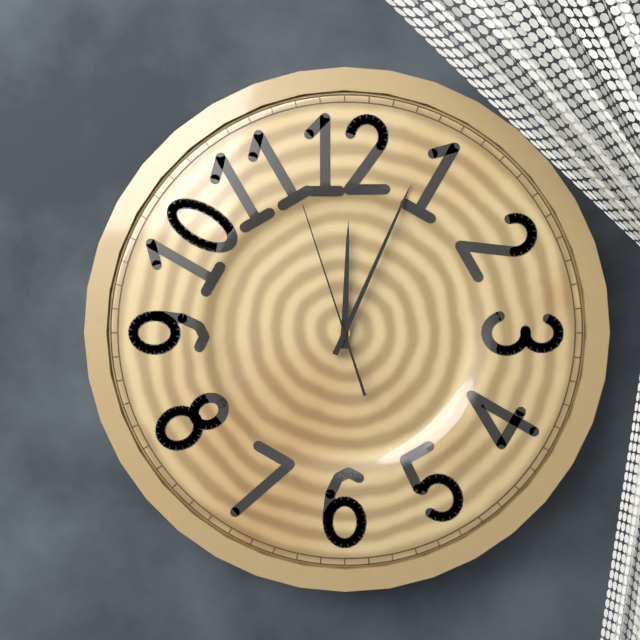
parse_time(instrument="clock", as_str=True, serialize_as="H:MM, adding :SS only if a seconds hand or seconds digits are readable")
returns 12:04:57
